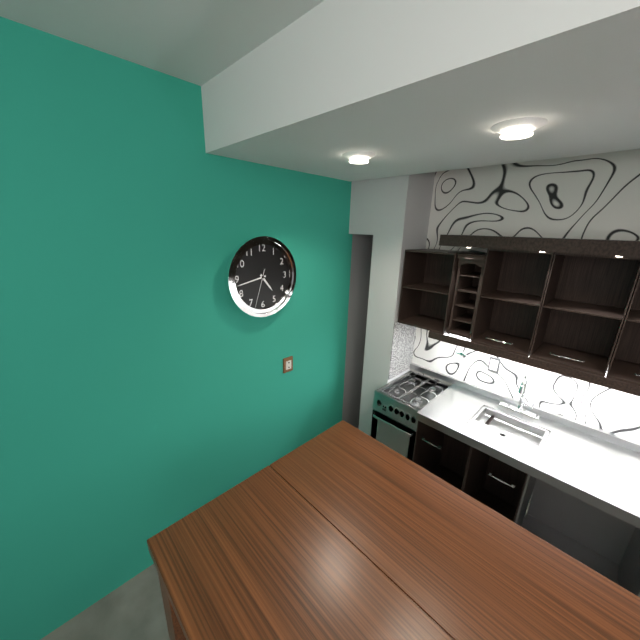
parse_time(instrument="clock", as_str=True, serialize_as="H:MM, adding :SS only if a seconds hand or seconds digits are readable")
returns 4:43
